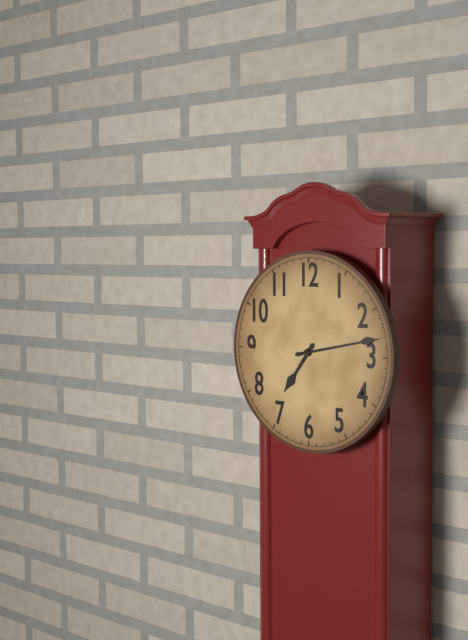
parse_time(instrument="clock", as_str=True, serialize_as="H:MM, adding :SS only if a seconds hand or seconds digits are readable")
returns 7:13
